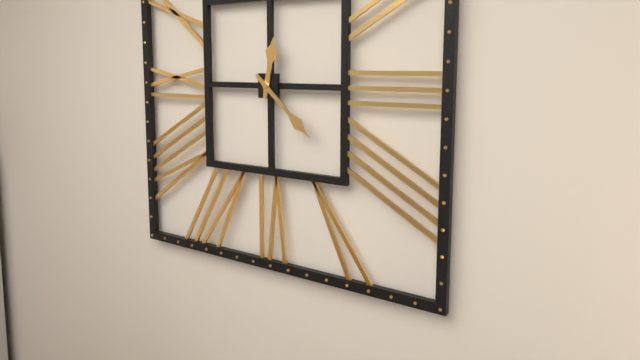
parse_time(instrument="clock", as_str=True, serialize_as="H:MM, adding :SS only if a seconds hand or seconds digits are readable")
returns 12:22
